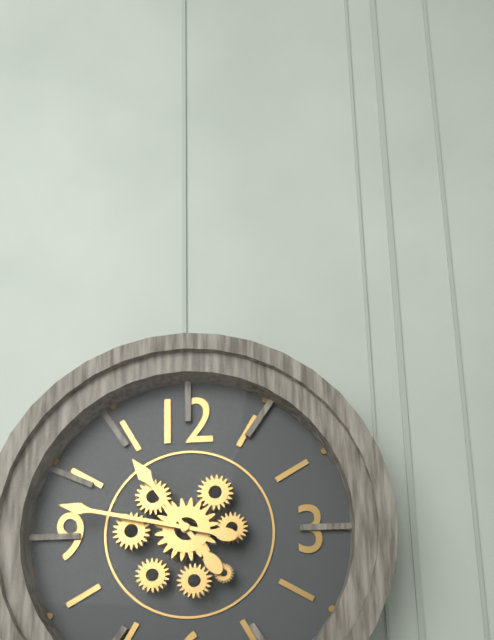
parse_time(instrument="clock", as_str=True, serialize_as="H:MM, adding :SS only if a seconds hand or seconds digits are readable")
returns 10:47
